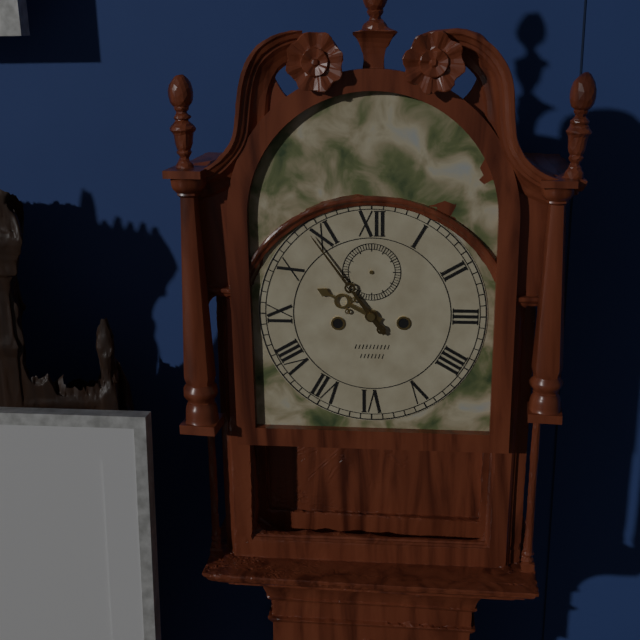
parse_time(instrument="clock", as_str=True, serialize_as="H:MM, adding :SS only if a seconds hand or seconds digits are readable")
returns 9:54
